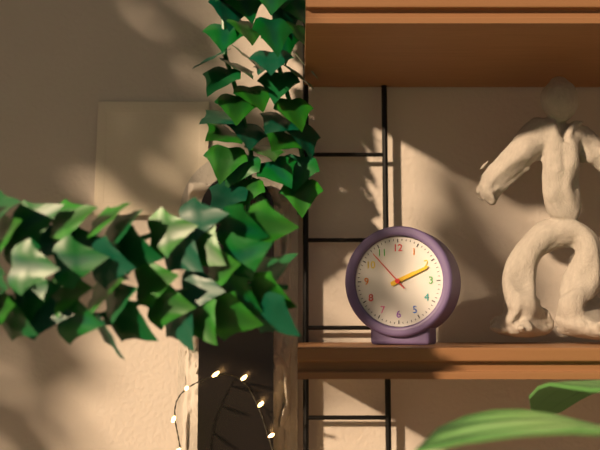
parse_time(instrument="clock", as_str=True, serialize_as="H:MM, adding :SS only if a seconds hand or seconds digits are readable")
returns 2:11:53
